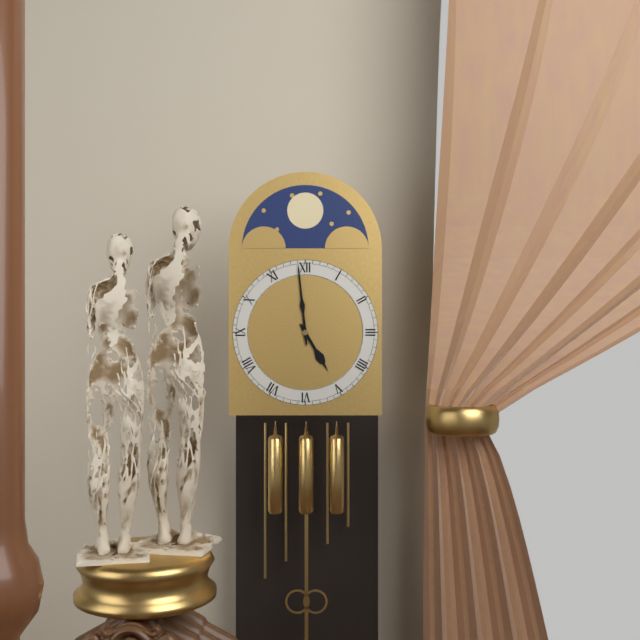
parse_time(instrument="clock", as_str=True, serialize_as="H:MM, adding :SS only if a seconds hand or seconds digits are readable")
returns 4:59
